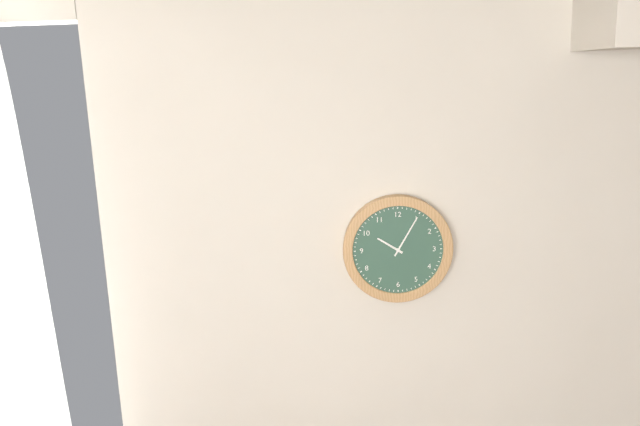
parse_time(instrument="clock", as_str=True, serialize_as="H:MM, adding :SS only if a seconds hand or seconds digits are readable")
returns 10:05
